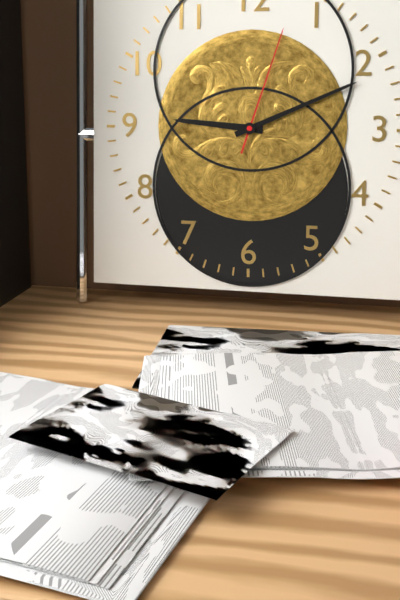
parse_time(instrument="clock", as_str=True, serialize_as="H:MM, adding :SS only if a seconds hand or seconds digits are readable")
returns 9:11:03
